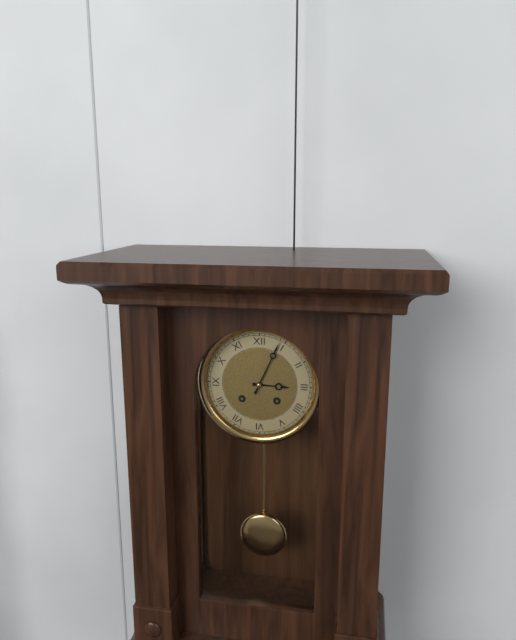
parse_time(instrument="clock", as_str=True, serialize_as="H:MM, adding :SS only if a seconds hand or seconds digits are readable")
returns 3:04
